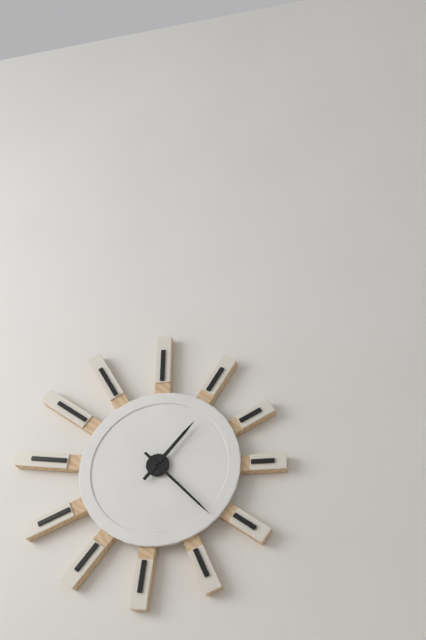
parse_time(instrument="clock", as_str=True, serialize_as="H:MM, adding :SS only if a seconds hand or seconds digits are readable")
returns 1:23
